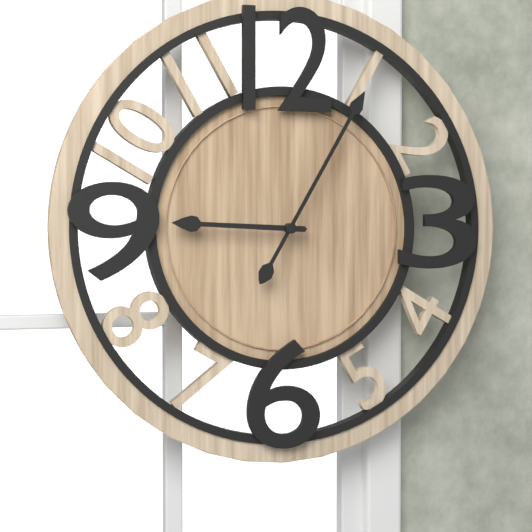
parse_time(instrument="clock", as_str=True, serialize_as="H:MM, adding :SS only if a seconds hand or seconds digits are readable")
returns 9:05
